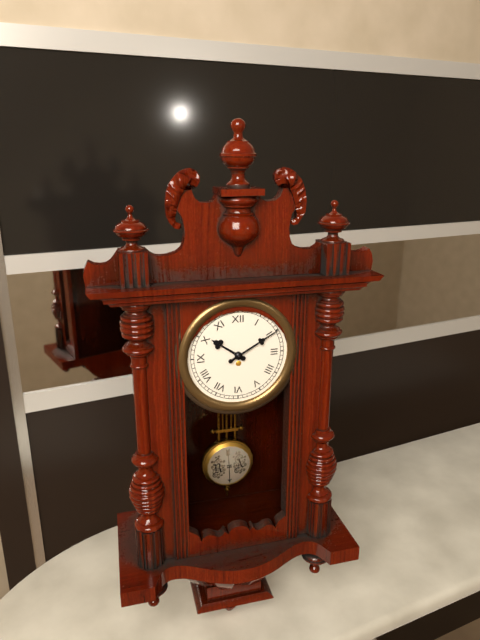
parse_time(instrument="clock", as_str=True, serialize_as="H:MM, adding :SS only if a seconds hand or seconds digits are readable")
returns 10:10
